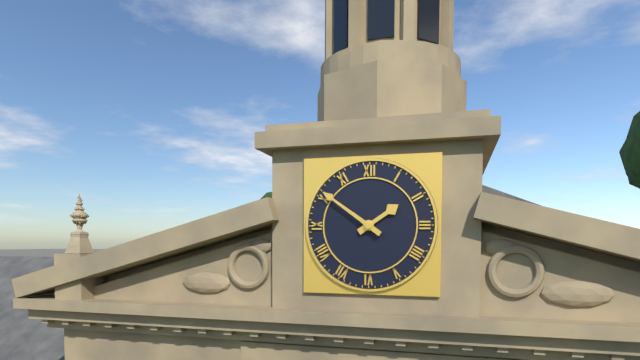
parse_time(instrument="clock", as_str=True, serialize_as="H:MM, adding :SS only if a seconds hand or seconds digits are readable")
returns 1:51
